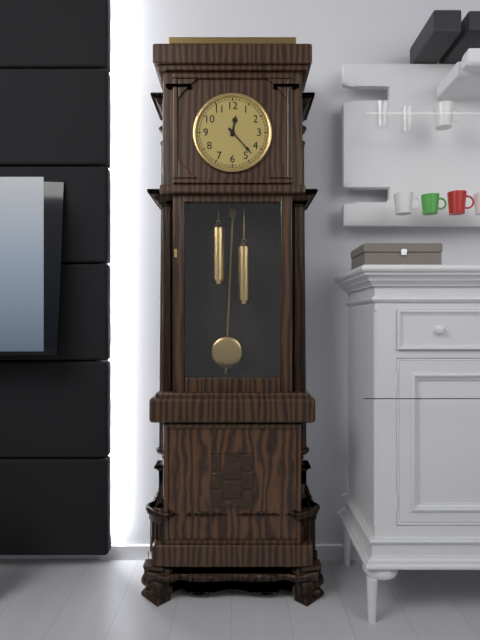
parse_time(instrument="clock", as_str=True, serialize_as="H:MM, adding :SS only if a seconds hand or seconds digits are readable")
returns 12:23
